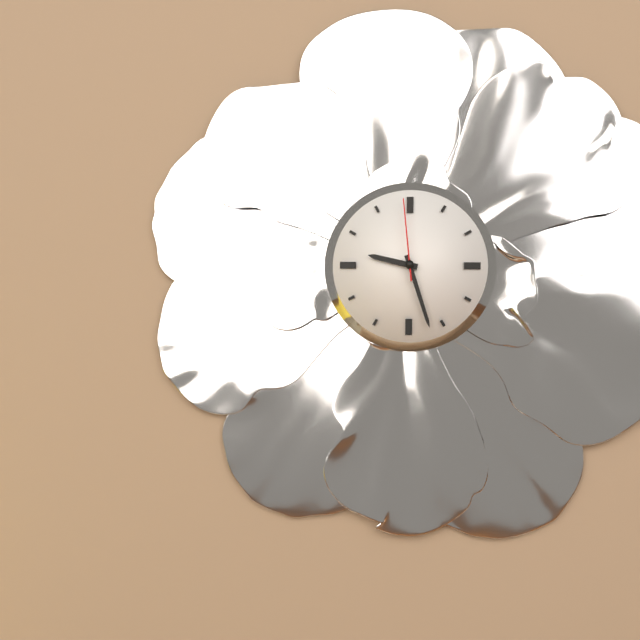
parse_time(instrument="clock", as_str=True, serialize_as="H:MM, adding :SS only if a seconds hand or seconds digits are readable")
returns 9:27:59
